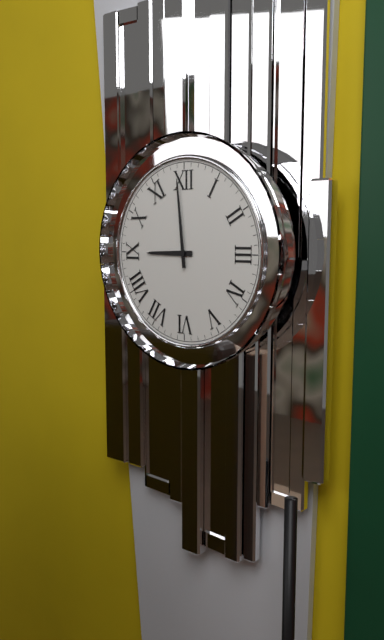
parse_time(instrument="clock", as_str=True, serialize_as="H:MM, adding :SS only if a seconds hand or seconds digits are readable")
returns 8:59
